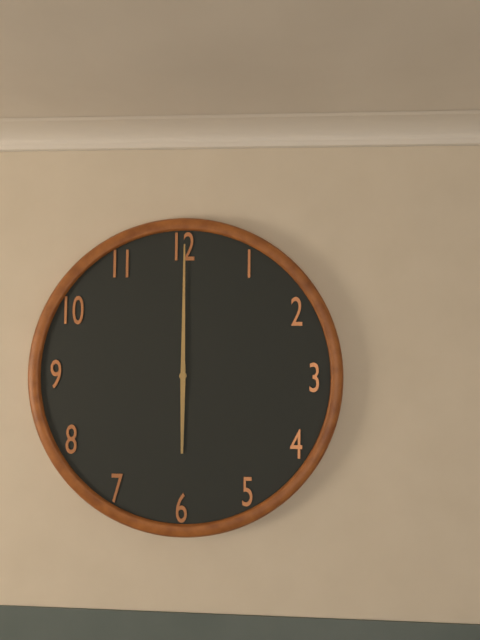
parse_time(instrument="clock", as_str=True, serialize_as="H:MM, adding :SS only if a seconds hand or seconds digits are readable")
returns 6:00
